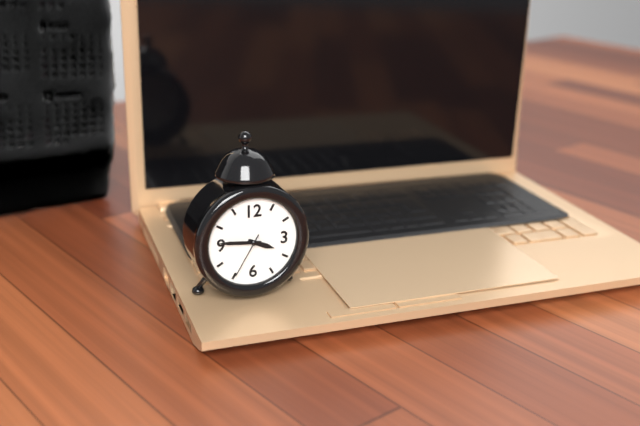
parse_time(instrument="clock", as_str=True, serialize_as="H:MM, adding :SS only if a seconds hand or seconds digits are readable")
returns 3:46
